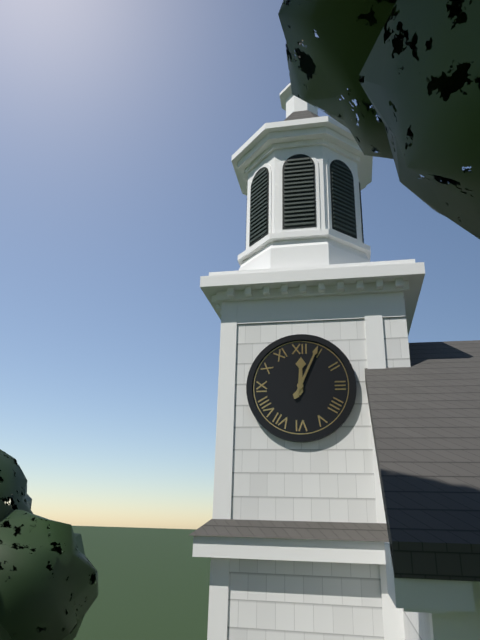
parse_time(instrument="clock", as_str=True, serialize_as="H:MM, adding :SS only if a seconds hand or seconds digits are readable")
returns 12:04
